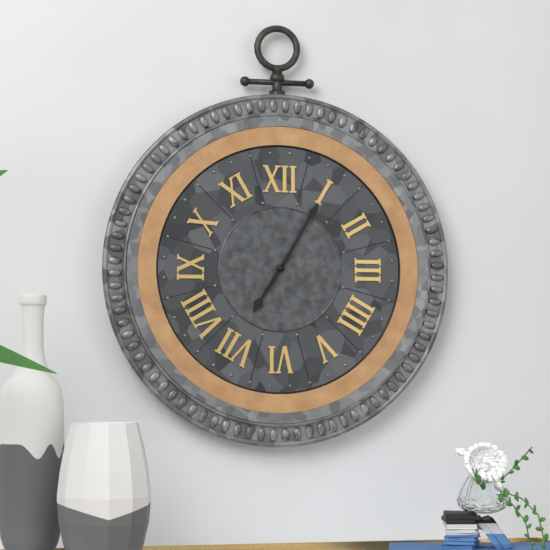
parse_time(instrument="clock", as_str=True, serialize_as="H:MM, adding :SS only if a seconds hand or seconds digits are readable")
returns 7:05
